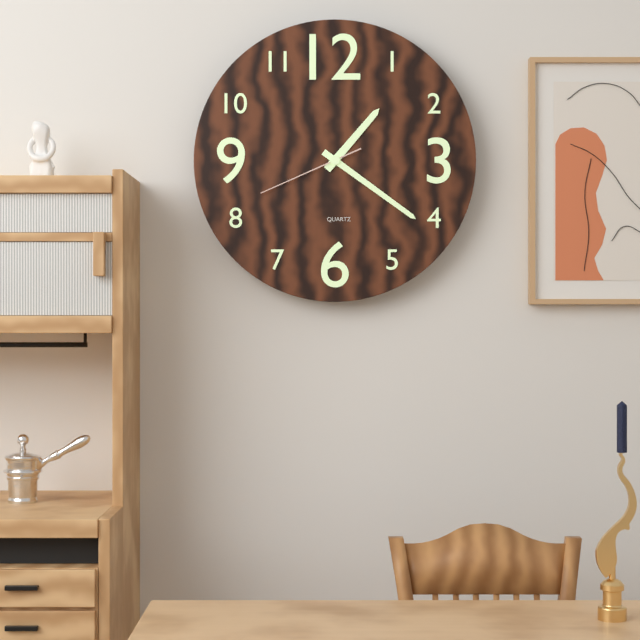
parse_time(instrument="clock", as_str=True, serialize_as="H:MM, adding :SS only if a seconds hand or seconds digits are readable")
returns 1:21:41
